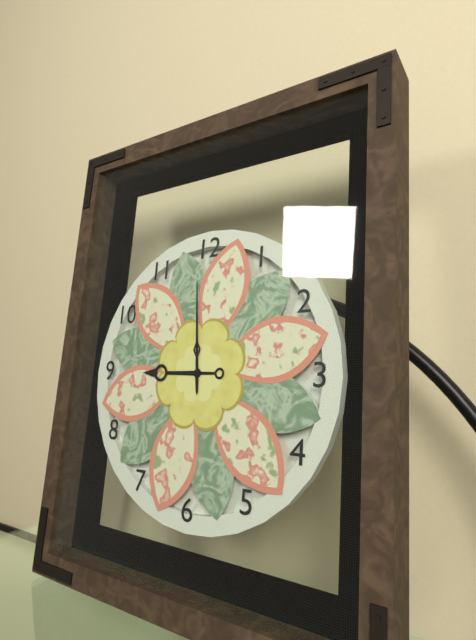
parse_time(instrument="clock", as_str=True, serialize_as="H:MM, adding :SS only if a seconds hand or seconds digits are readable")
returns 8:59
